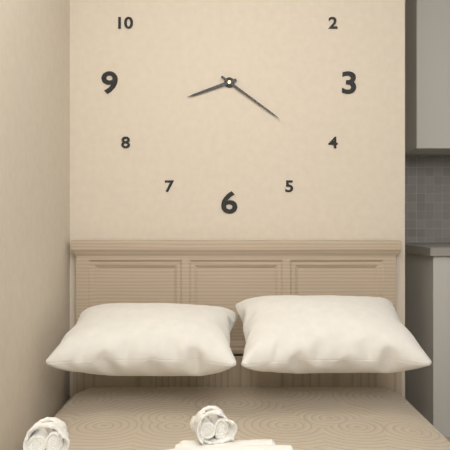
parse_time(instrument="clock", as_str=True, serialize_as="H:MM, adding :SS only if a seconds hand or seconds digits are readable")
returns 8:21
